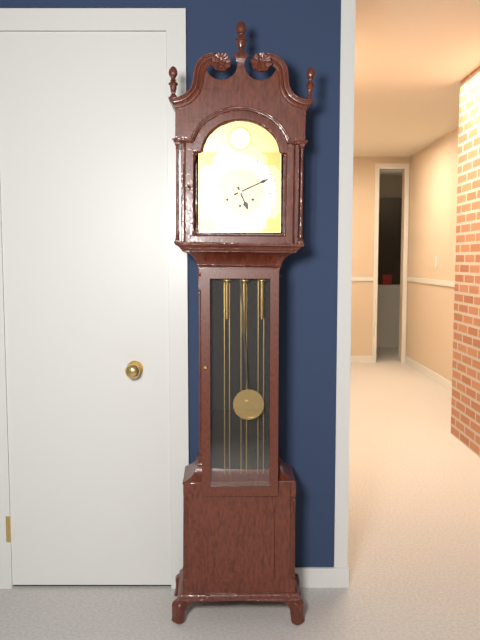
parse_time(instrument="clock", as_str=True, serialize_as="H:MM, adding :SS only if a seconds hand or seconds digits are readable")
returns 5:11
